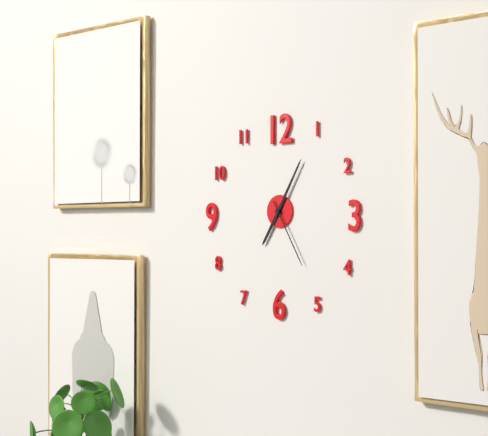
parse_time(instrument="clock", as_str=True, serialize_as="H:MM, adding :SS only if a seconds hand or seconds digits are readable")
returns 7:05:25
